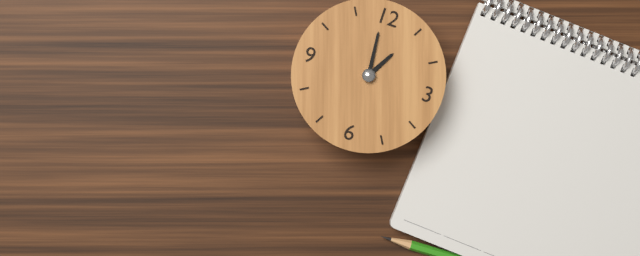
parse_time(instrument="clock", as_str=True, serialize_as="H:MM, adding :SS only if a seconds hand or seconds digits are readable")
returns 12:59
